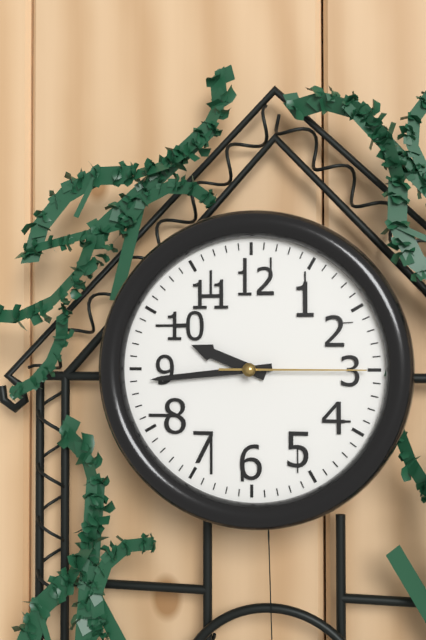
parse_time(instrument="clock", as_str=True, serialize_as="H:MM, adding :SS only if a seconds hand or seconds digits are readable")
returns 9:44:15
